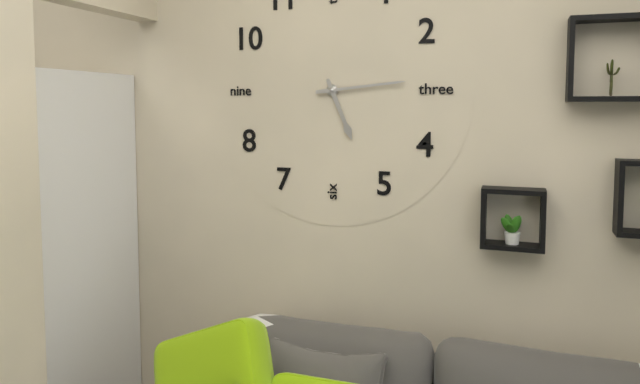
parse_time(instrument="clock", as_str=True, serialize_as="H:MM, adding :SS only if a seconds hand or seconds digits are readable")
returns 5:14
